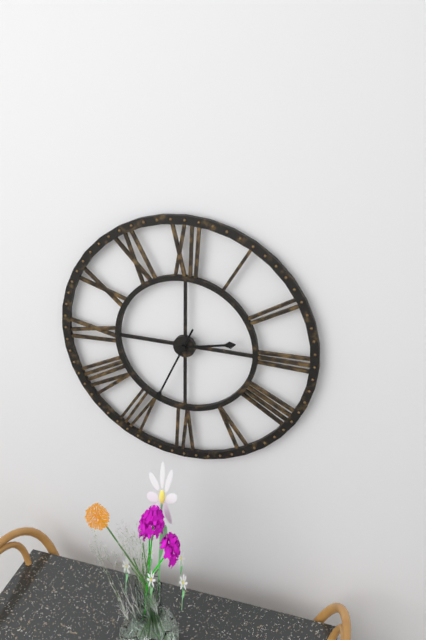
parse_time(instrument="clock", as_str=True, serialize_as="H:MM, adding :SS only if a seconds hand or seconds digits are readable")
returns 2:34
